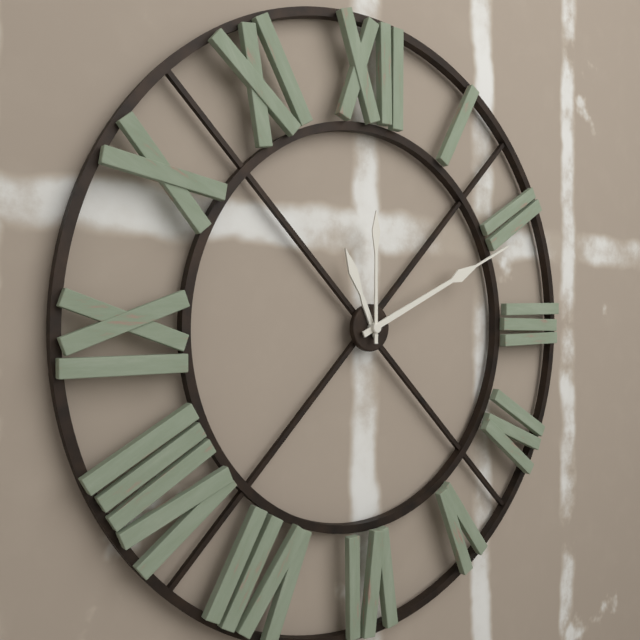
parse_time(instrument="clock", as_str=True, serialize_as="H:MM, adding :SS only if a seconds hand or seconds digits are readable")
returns 11:11:00
